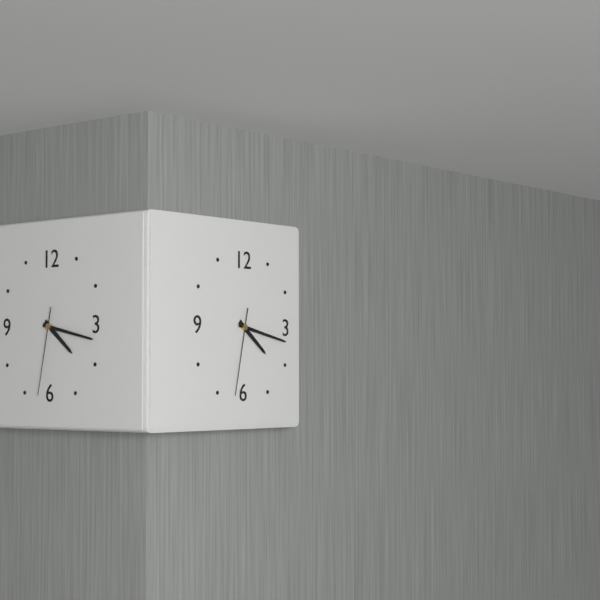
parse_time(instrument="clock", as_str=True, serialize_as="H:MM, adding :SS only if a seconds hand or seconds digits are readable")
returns 4:17:32
